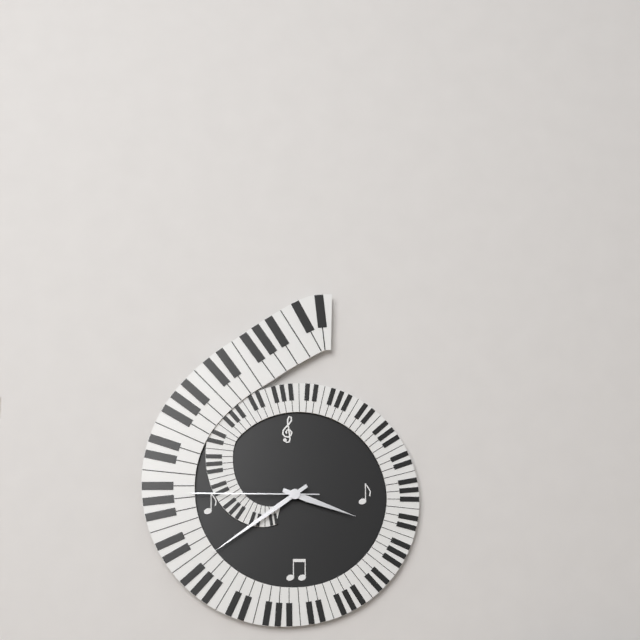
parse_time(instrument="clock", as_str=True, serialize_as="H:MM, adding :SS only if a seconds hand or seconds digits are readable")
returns 3:39:45
